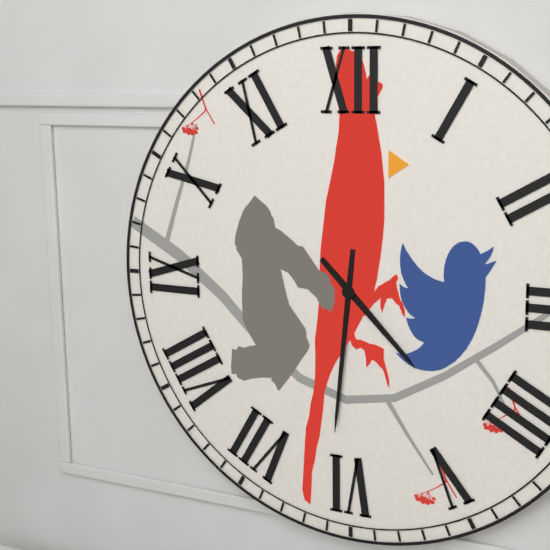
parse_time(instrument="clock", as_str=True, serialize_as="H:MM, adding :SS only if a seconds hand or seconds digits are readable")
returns 4:31
